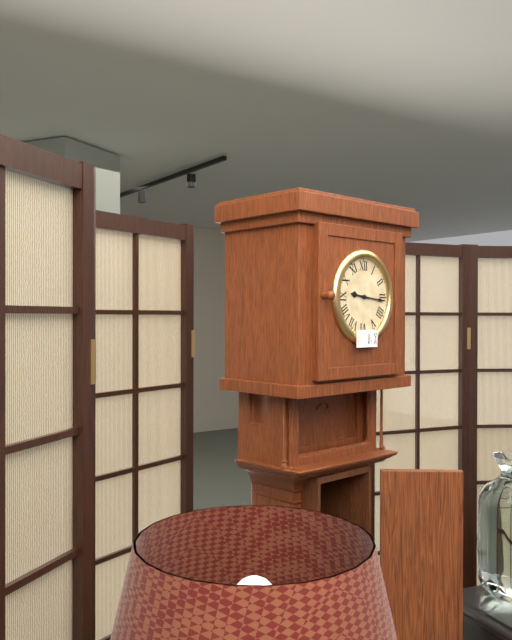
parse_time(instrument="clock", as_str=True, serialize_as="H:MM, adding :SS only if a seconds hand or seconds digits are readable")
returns 9:16
